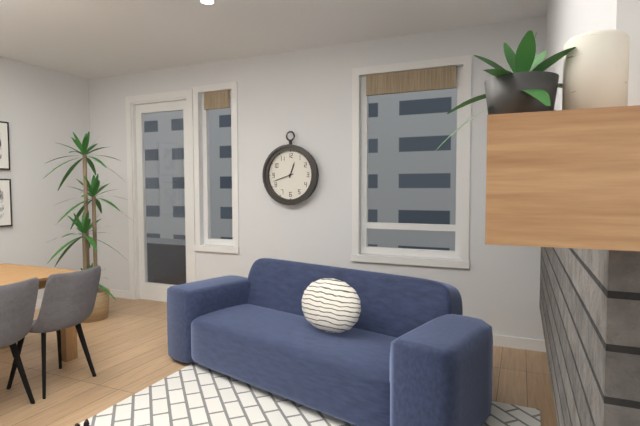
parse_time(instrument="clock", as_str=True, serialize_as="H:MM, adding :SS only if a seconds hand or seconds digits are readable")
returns 12:42
